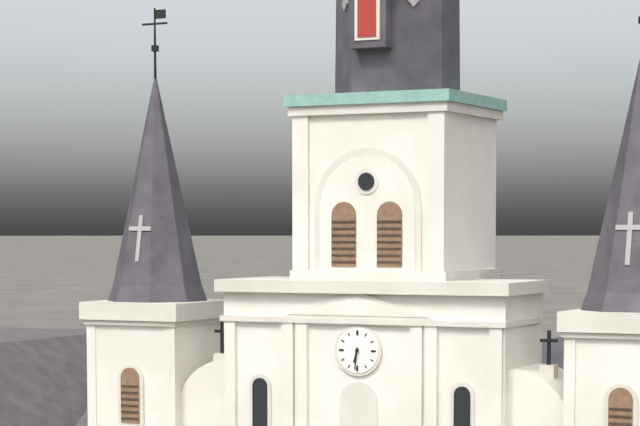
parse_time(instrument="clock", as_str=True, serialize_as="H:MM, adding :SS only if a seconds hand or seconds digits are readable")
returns 6:31
